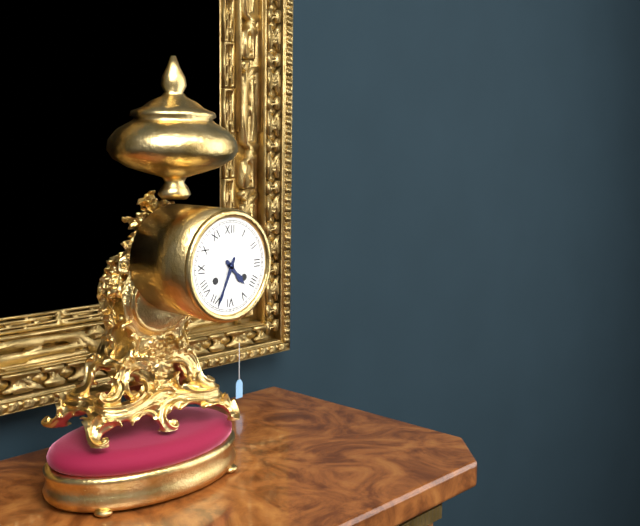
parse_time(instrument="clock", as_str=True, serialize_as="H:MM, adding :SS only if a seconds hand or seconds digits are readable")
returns 4:34
